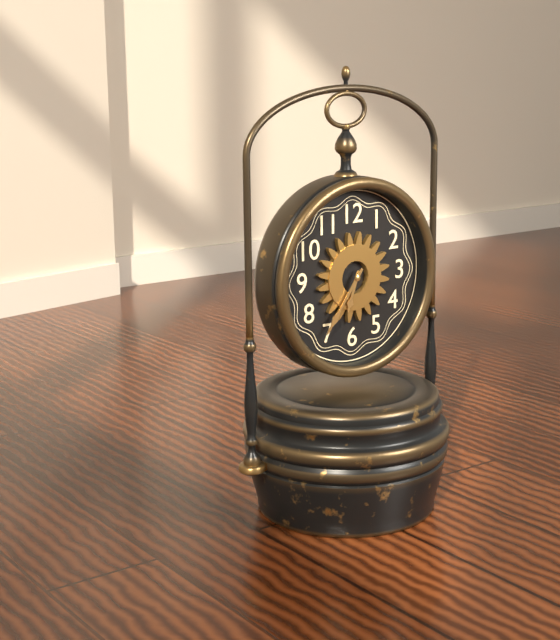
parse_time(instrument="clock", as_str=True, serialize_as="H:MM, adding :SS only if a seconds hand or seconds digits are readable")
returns 6:36
